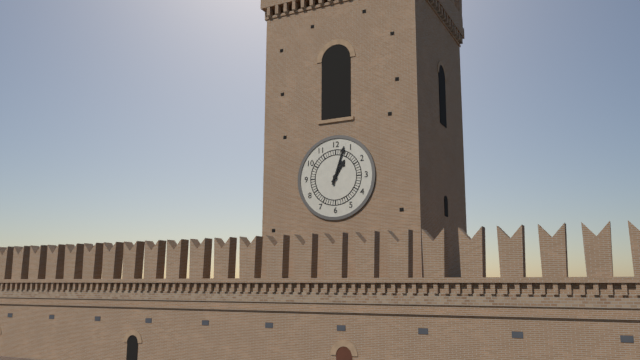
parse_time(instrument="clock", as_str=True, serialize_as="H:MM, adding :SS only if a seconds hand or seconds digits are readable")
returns 1:03
